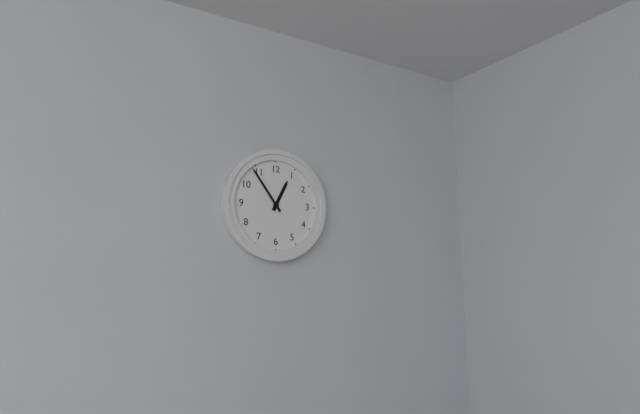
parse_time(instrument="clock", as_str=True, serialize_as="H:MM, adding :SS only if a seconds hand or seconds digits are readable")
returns 12:54
